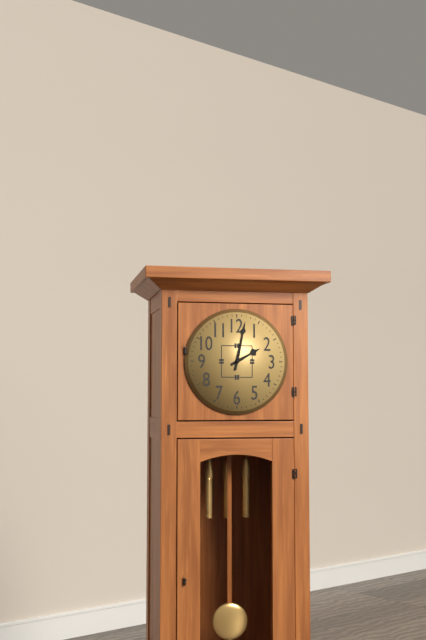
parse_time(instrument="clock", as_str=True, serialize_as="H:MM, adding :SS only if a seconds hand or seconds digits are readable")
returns 2:02
